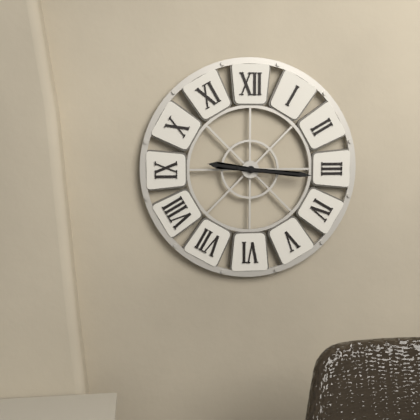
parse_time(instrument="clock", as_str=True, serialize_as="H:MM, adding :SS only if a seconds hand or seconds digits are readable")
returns 9:16
